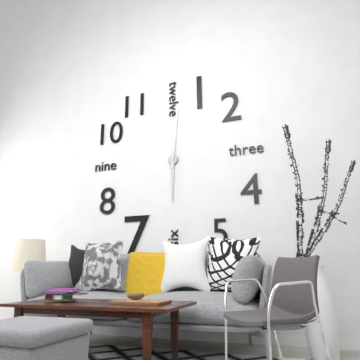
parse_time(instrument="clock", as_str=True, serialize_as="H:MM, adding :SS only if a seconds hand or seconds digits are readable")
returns 6:01
